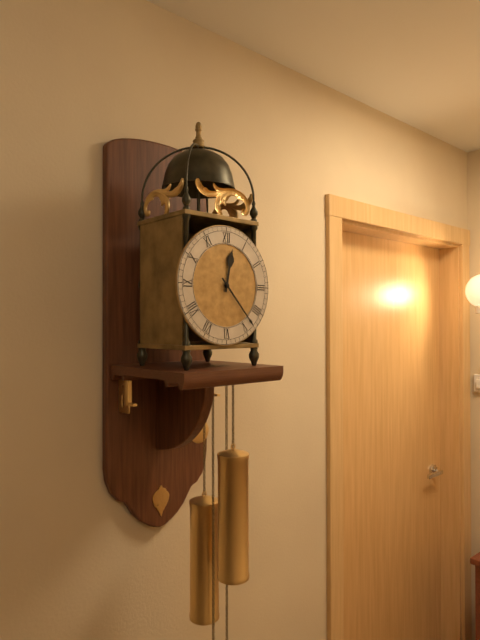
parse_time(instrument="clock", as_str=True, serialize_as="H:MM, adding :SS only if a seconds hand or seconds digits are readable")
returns 12:23
